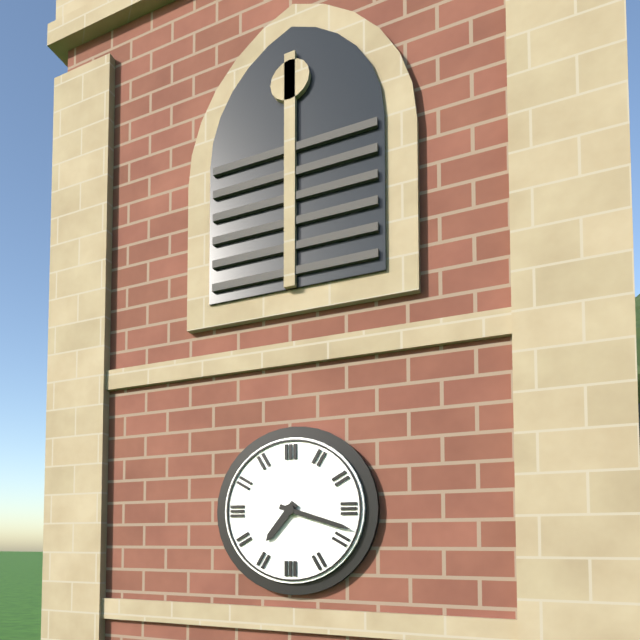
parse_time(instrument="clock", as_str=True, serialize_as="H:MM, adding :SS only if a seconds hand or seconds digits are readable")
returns 7:18
